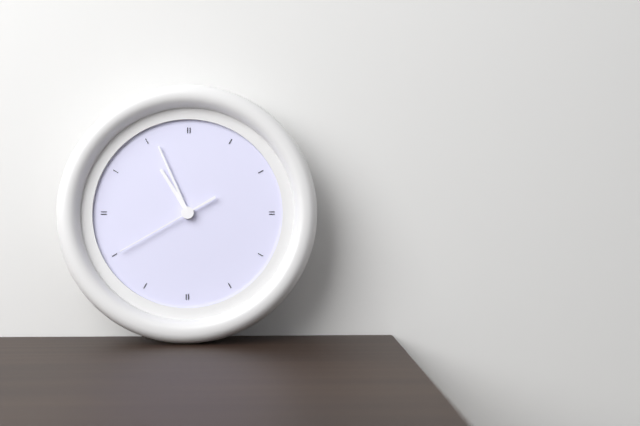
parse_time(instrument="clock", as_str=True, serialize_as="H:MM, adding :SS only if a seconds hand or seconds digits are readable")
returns 10:56:40
